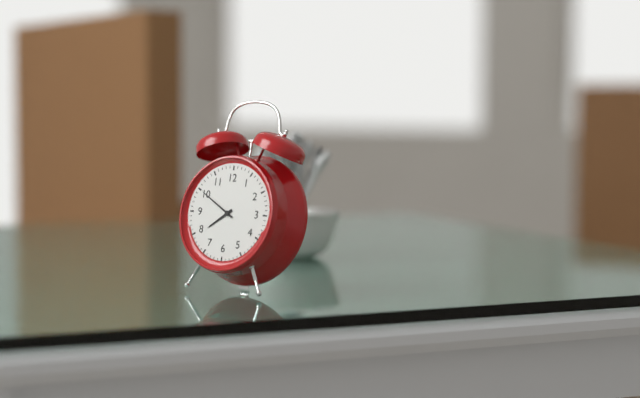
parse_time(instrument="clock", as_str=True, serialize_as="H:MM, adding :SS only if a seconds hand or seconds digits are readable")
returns 7:50
